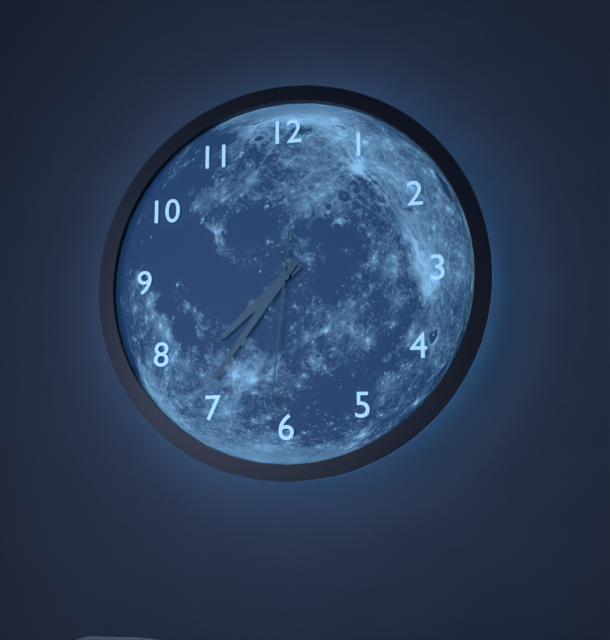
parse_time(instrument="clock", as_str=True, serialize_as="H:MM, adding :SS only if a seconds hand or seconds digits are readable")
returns 7:36:31
